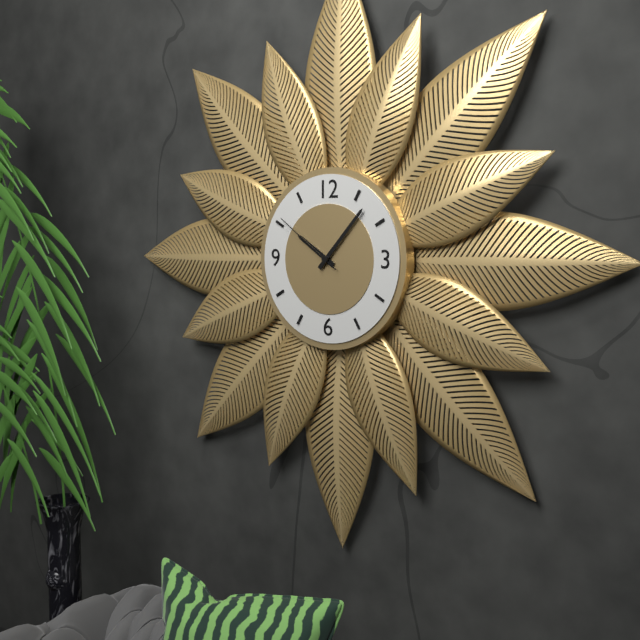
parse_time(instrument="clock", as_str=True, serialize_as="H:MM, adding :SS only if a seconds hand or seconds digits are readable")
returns 10:07:51
